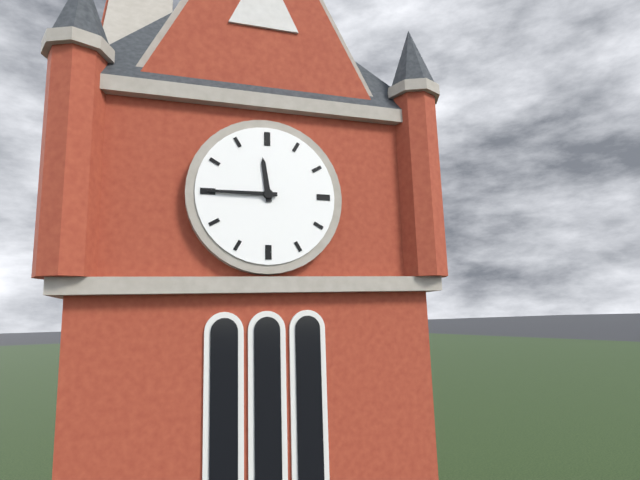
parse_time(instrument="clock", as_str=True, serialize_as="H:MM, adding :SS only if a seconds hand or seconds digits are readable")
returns 11:45
